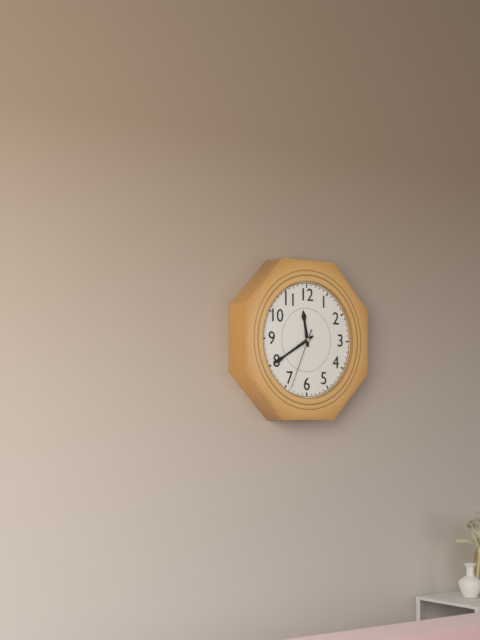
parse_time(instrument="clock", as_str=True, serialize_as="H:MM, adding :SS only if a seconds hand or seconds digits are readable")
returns 11:40:34
